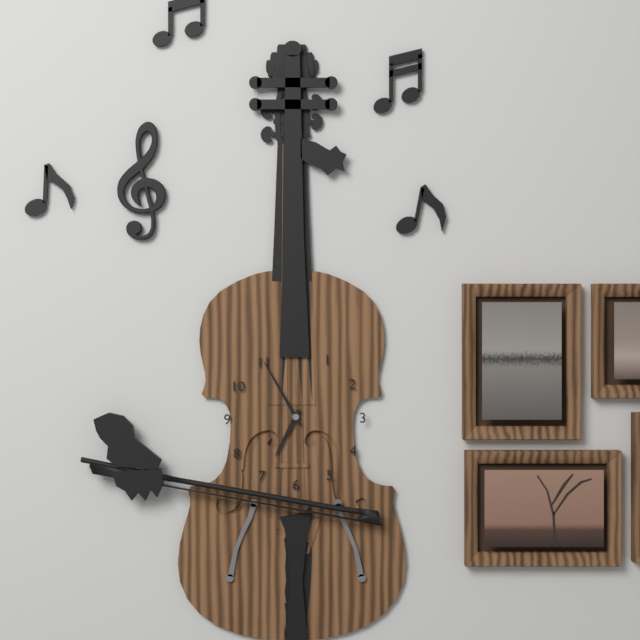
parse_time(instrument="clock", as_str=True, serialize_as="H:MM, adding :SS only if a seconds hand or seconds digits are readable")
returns 6:55
